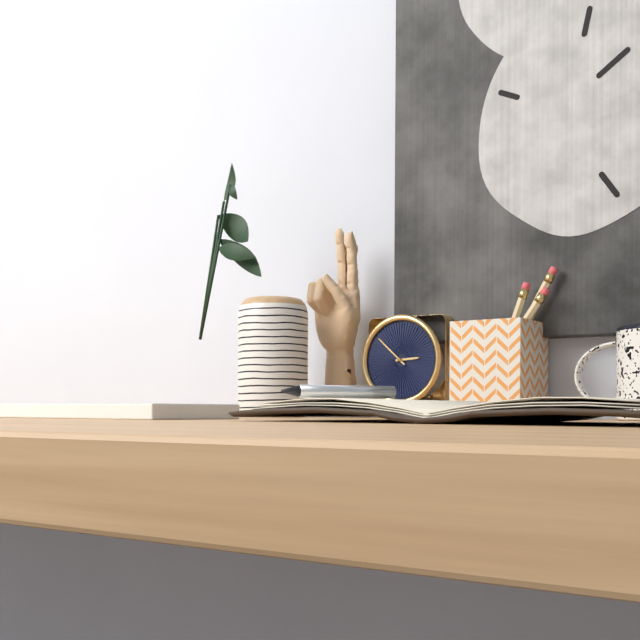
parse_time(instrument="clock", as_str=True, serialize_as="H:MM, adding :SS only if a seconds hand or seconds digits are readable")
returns 2:52
